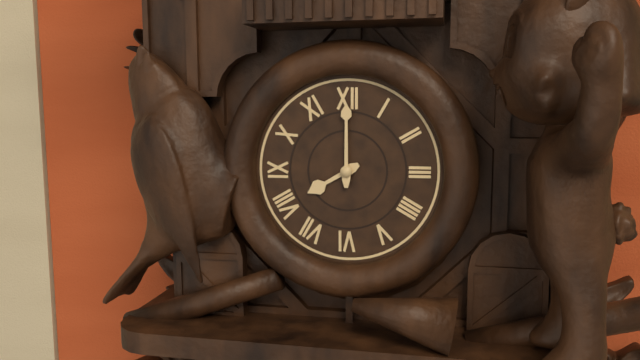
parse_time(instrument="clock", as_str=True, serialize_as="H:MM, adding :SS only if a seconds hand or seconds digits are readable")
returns 8:00
